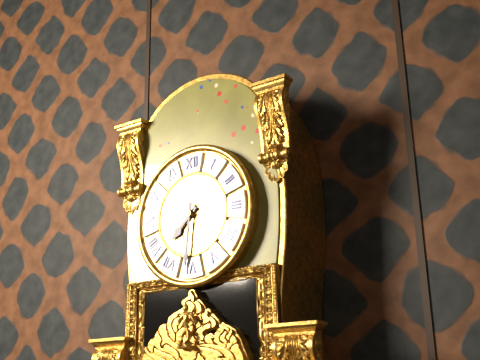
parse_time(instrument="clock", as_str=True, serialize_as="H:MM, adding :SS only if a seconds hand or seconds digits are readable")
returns 7:31
